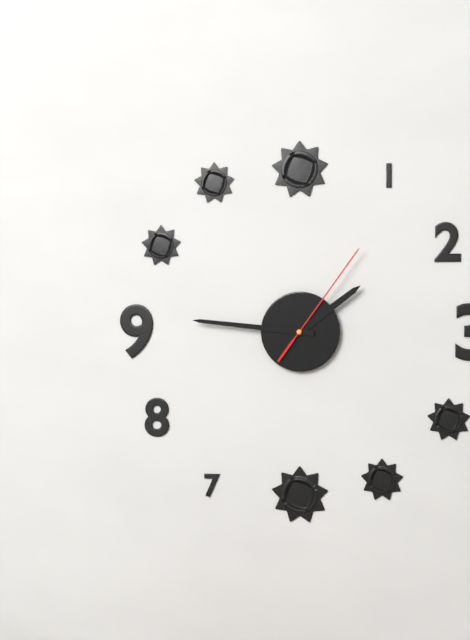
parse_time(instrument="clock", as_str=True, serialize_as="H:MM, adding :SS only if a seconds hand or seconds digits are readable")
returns 1:46:06
